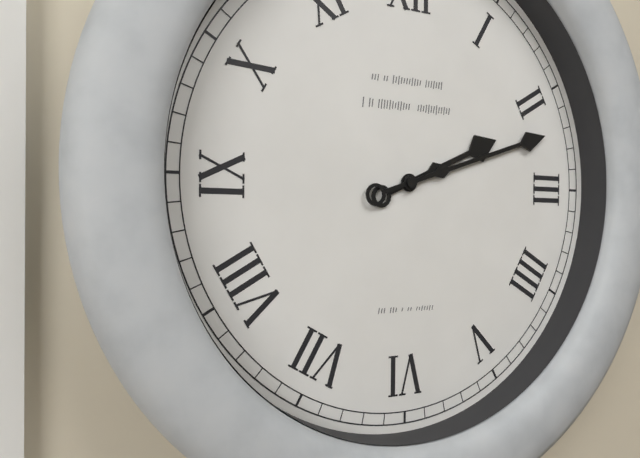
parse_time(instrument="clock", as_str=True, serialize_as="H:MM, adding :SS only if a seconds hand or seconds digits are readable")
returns 2:12
